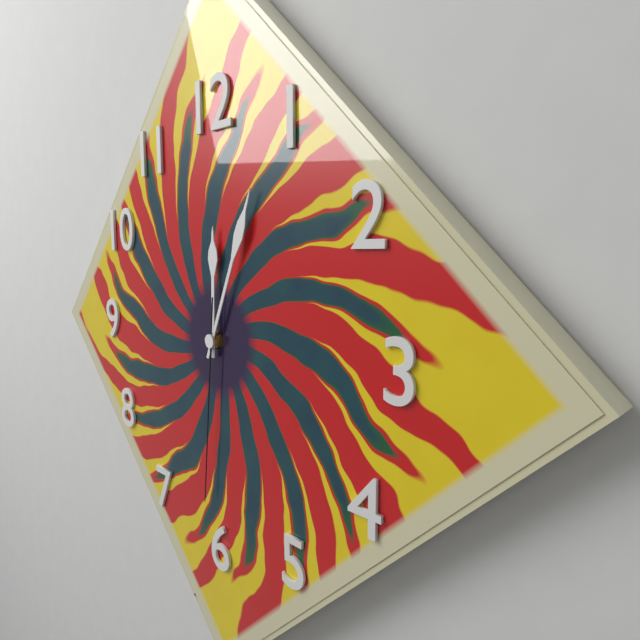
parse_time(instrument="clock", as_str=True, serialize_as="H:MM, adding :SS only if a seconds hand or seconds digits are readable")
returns 12:04:31
